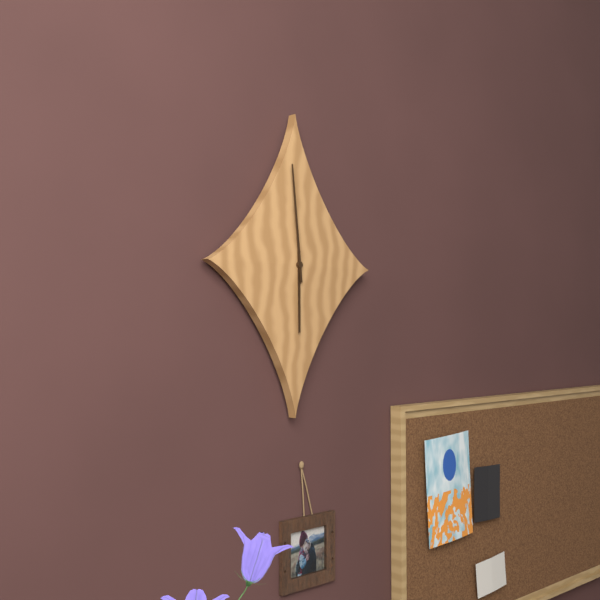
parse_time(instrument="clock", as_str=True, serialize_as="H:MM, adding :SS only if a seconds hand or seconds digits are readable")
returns 5:59
